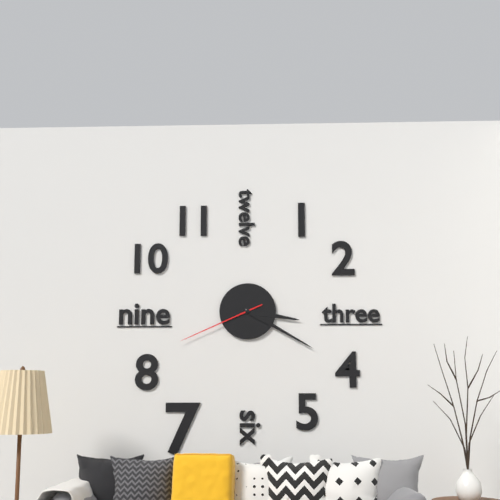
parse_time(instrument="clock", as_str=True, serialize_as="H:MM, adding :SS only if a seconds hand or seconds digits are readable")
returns 3:20:41
